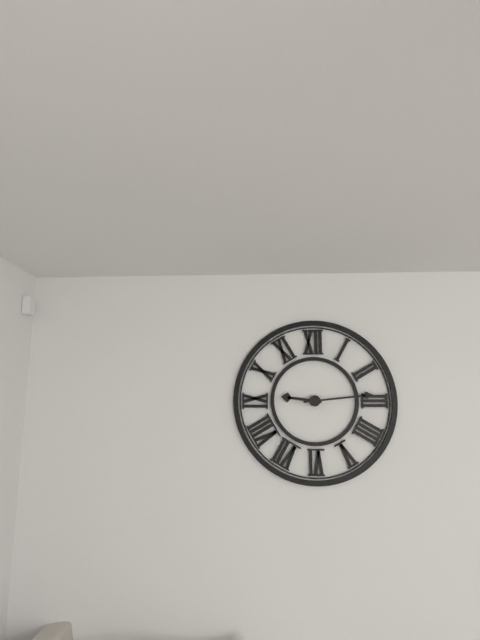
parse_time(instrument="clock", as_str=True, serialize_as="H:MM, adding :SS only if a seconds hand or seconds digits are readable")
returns 9:14
